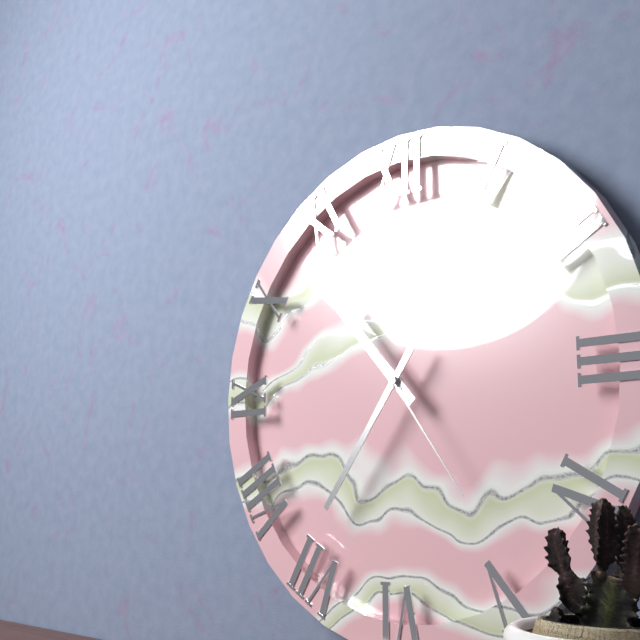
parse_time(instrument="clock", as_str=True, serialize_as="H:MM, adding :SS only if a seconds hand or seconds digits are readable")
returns 10:36:24
